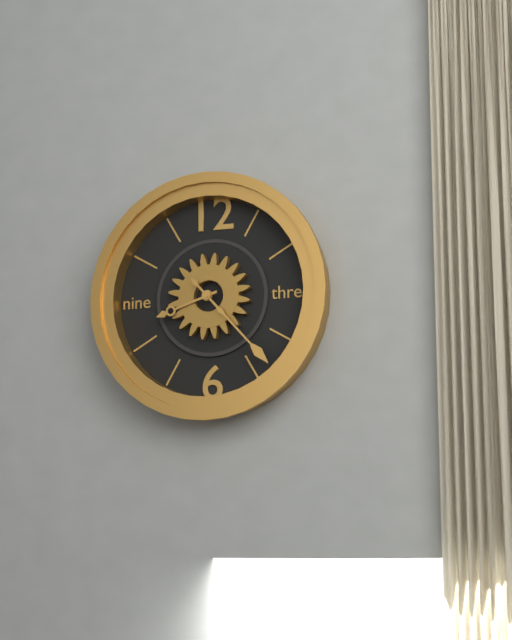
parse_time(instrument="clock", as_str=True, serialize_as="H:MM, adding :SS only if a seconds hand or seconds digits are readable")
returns 8:23
